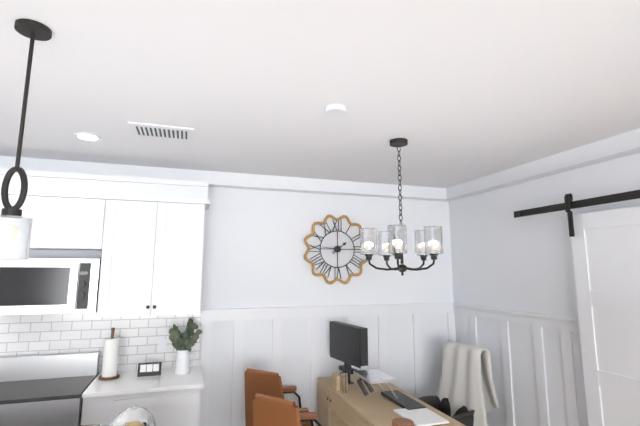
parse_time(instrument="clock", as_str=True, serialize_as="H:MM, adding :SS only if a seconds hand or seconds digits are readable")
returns 1:46
